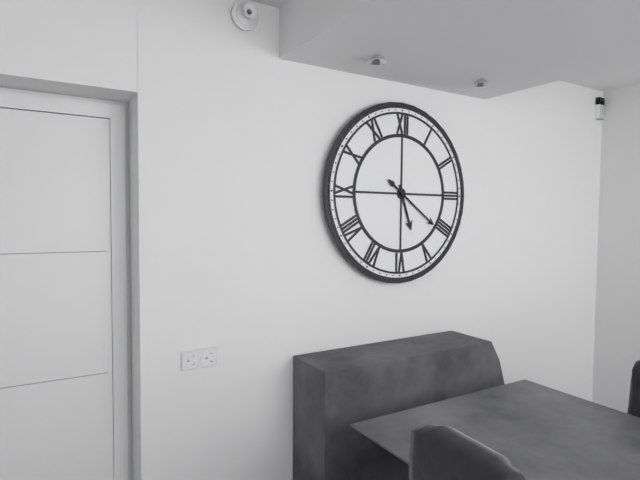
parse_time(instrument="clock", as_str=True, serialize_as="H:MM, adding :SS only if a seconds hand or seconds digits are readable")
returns 5:21
